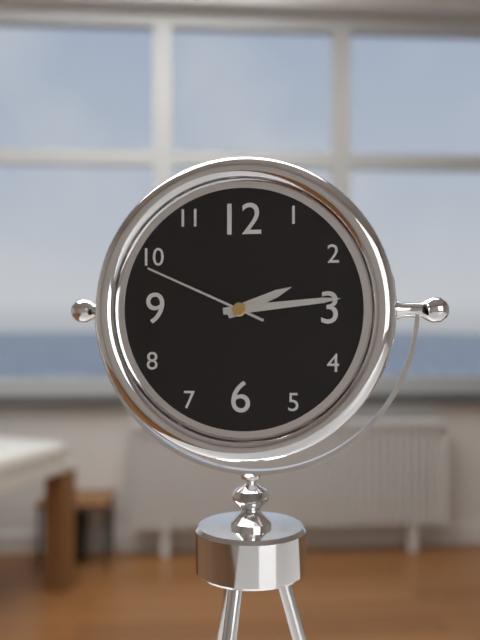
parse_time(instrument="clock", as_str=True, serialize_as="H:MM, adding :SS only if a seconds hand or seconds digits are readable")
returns 2:14:49
